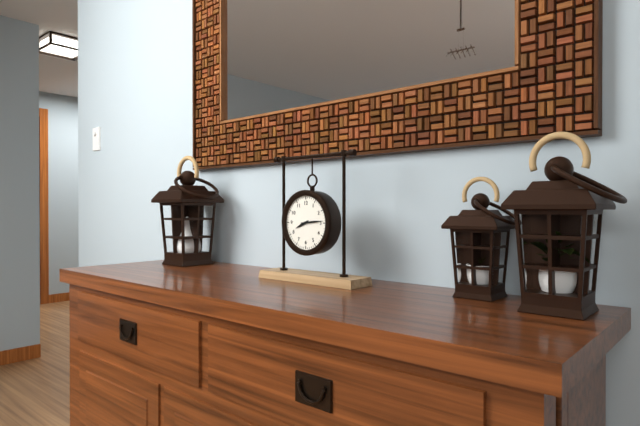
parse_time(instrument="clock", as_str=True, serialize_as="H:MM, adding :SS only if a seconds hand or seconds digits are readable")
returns 8:14
